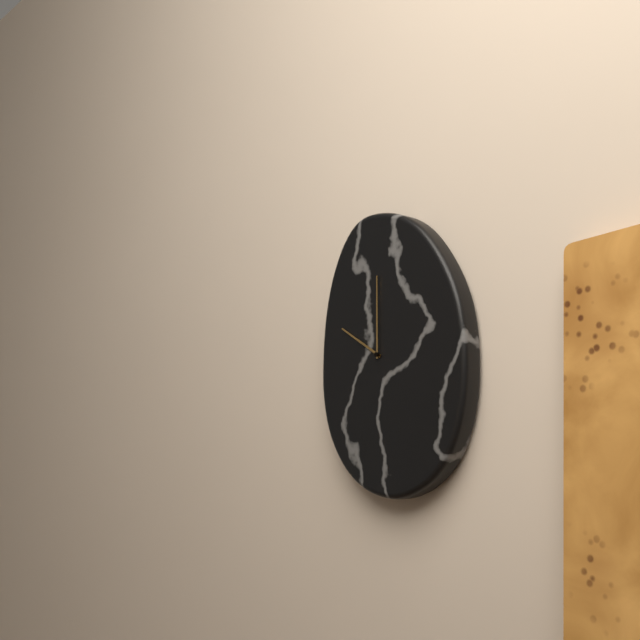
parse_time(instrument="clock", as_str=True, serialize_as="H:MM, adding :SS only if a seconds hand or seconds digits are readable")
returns 10:00
